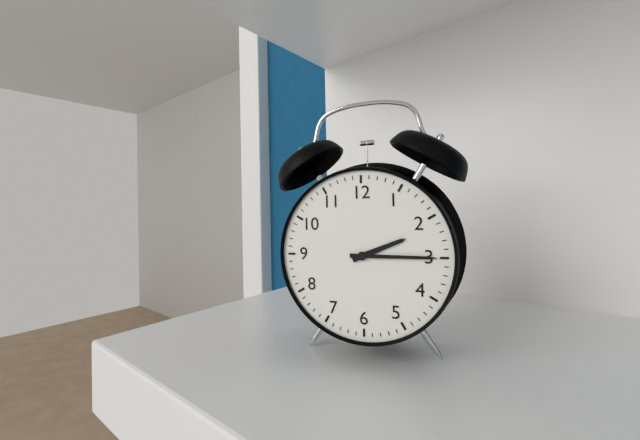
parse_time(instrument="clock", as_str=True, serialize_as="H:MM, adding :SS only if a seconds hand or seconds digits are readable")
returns 2:15
